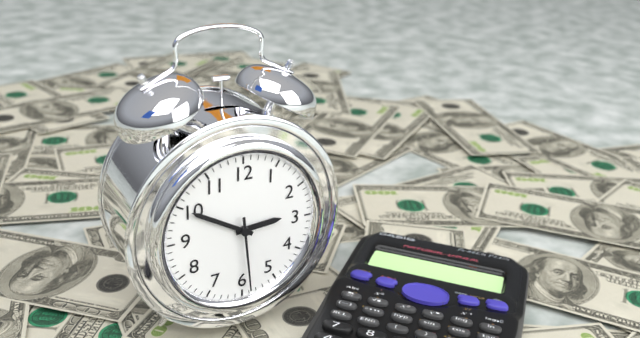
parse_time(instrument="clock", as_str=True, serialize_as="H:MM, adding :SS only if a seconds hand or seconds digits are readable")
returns 2:50:29
